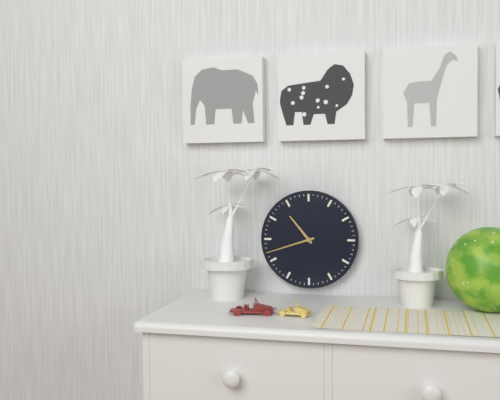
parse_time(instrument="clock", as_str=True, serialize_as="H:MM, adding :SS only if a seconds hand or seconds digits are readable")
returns 10:42
